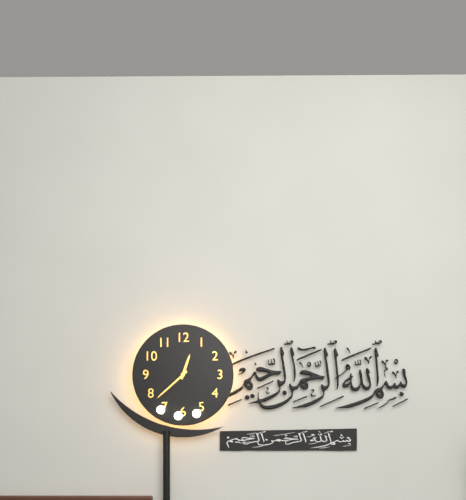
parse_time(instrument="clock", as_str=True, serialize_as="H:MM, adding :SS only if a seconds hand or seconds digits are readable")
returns 12:38
